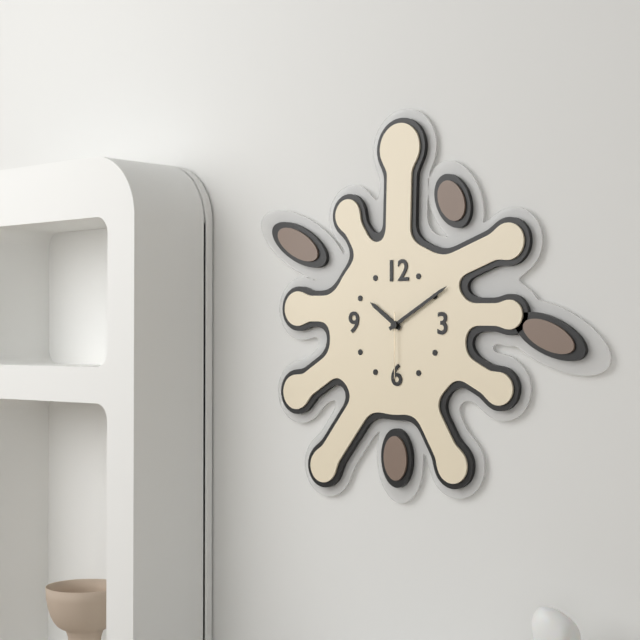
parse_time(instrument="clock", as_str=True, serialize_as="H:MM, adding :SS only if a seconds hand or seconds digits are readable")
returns 10:10:30
